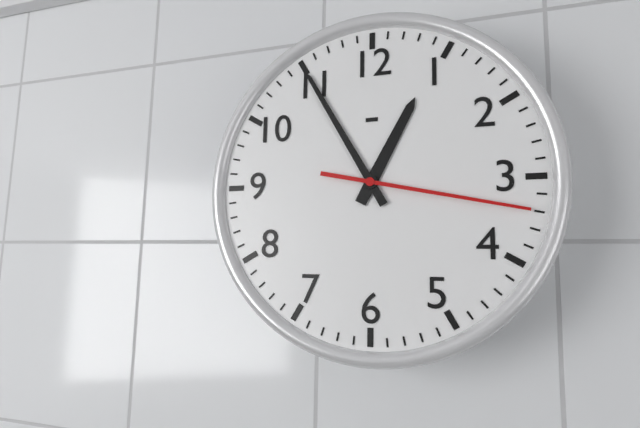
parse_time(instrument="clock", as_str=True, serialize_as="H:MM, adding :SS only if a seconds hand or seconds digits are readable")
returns 12:55:17
